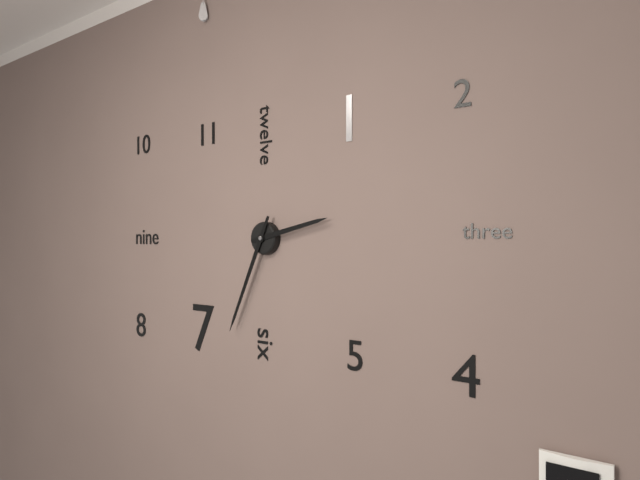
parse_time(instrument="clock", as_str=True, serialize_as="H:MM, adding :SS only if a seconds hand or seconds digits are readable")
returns 2:34
